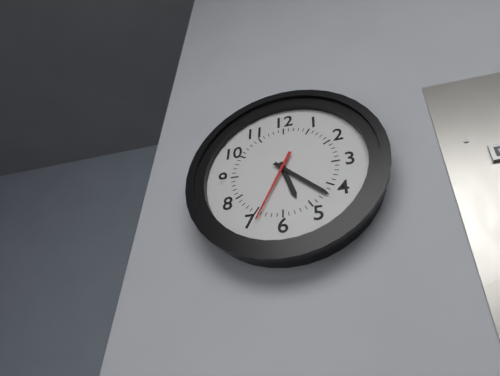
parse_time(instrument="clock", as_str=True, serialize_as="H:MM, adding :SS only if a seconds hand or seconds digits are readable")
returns 5:22:34
